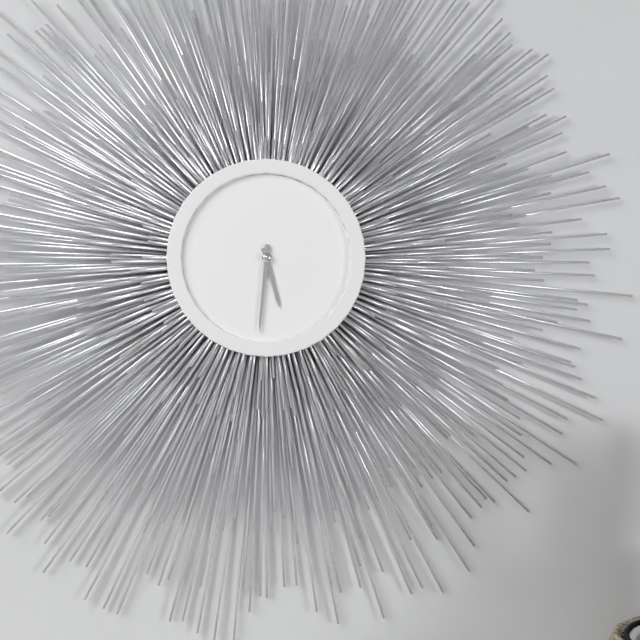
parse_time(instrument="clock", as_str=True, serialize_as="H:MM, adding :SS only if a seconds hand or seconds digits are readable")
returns 5:31
